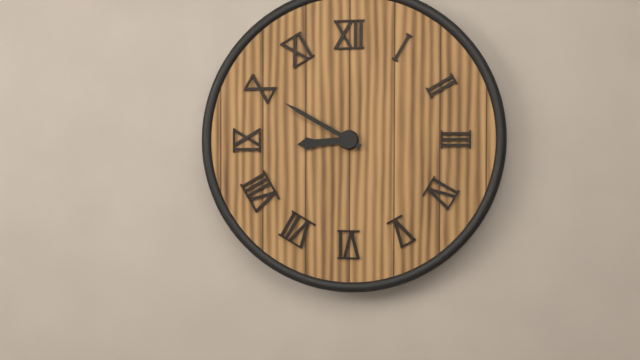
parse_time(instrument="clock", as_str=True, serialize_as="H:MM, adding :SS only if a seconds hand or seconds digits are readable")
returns 8:50
